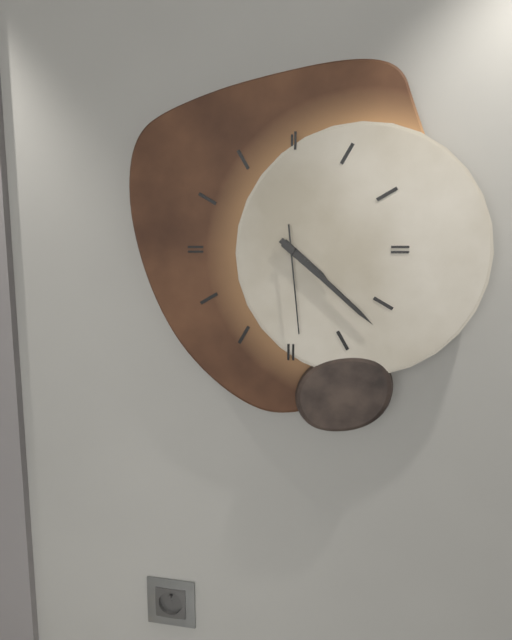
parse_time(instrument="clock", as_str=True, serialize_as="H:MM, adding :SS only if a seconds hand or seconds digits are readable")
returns 4:22:29
